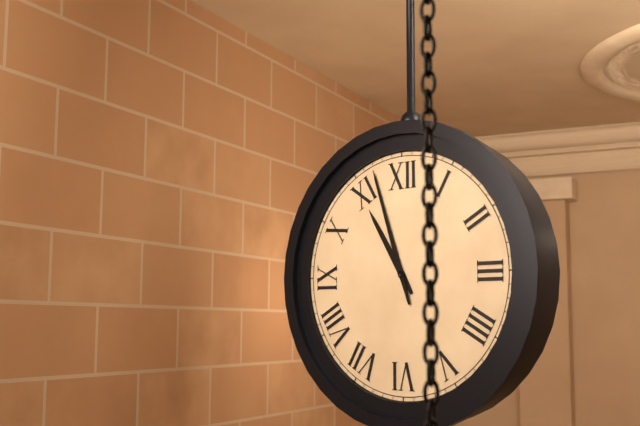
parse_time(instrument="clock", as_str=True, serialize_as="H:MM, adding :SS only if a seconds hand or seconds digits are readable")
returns 10:57
